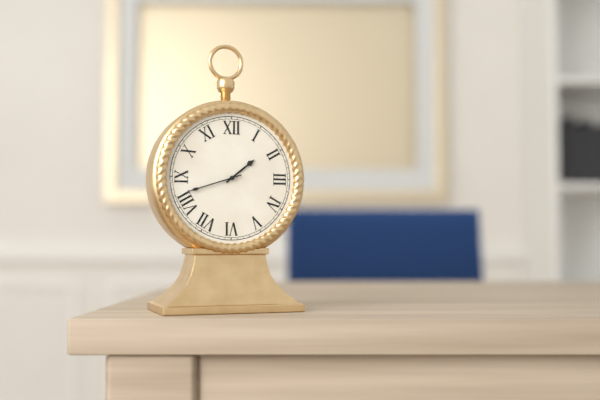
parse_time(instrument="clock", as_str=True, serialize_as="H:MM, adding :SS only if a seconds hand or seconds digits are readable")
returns 1:42
